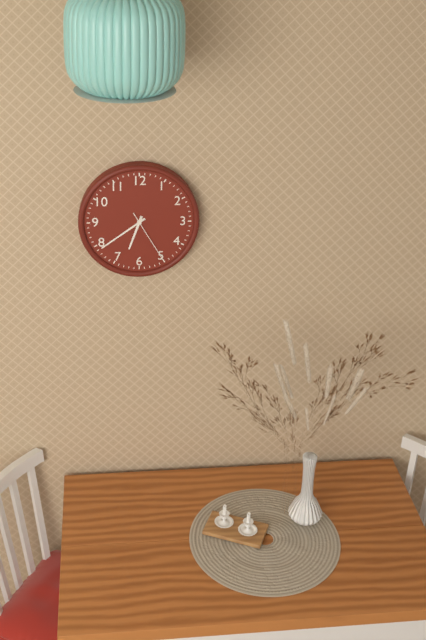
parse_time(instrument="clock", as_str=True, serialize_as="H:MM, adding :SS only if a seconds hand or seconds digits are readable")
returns 6:39:25
